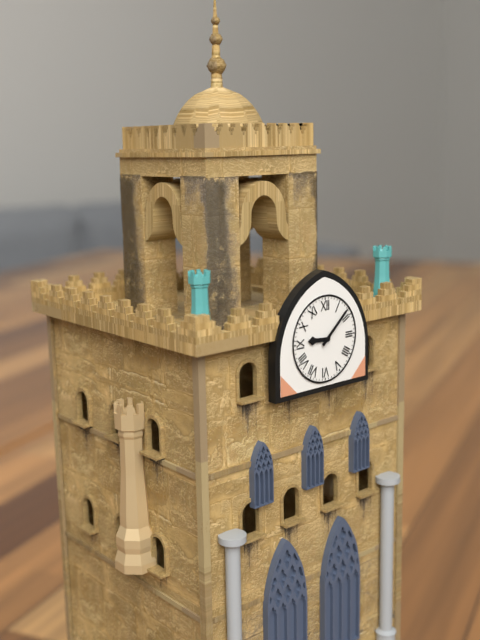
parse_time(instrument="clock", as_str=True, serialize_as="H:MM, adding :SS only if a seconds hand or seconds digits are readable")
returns 9:08
